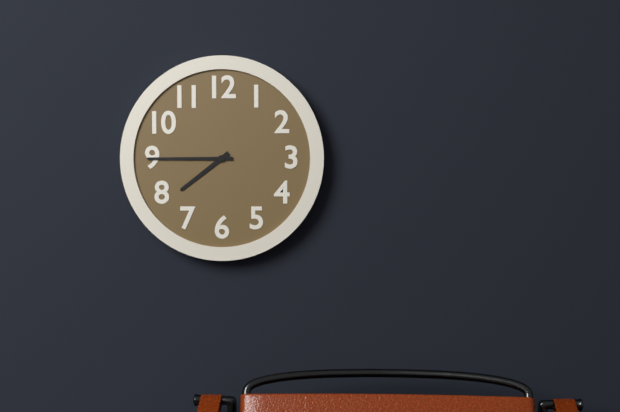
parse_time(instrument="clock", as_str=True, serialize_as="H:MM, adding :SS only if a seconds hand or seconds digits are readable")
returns 7:45
